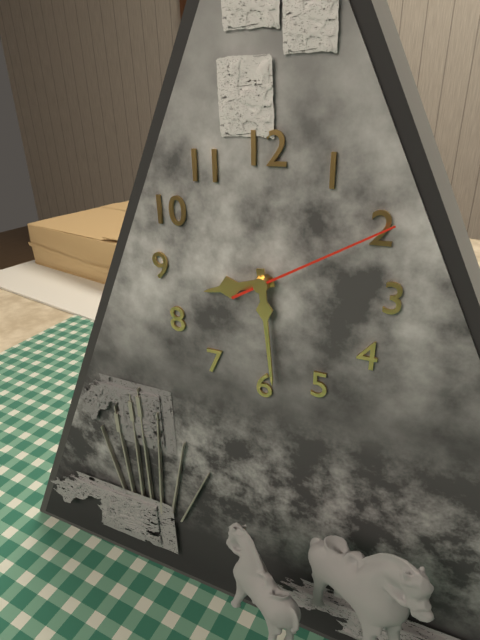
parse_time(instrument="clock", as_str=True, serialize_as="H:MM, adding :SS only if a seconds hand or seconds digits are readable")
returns 8:29:10
